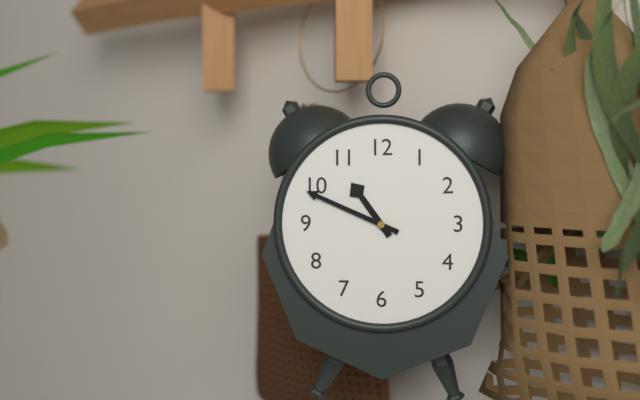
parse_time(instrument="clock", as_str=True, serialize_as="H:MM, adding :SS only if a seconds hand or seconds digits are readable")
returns 10:49
